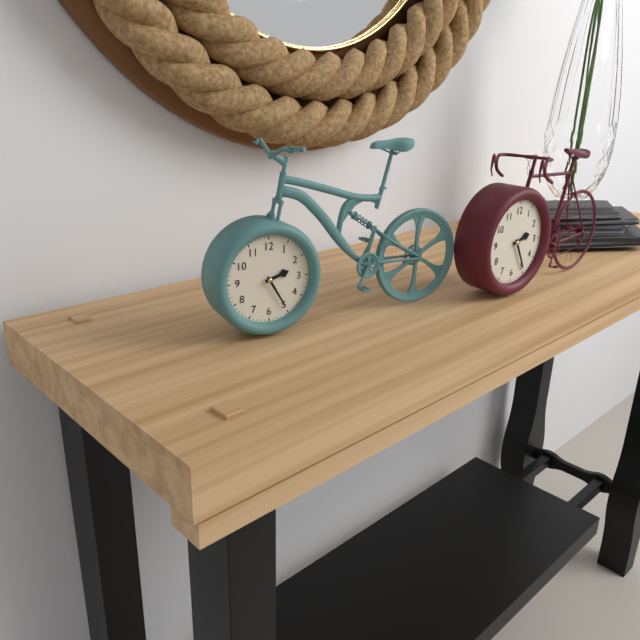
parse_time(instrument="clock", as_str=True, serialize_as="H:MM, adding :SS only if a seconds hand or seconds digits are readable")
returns 2:25
